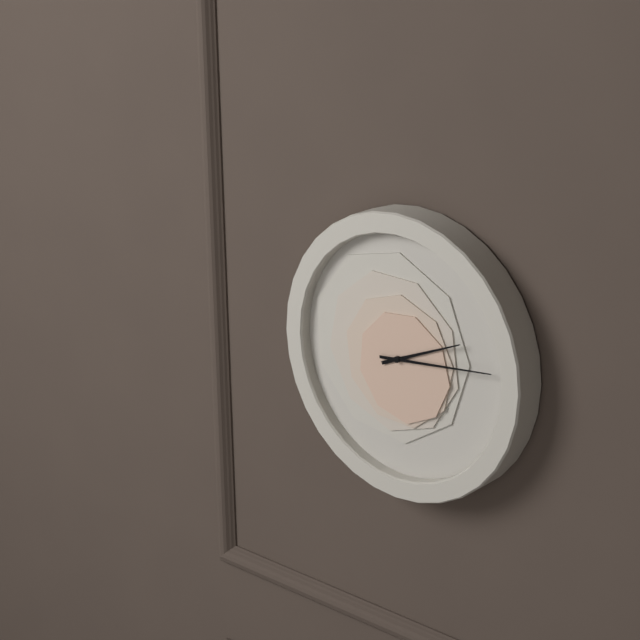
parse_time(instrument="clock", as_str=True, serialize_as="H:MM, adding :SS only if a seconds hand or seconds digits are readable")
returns 2:14
